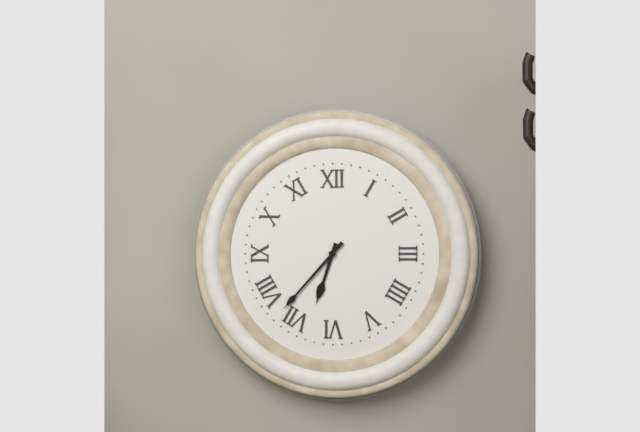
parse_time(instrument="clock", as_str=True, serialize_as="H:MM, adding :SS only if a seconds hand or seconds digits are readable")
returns 6:37
